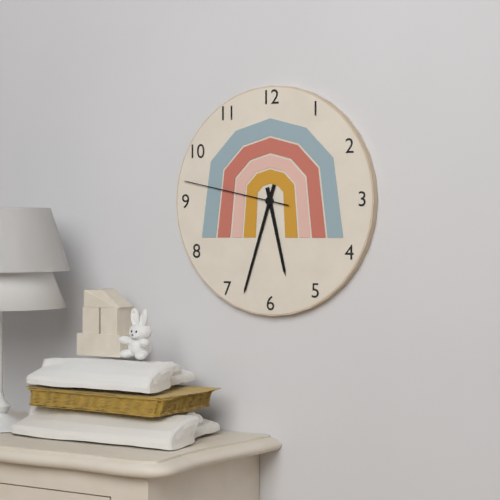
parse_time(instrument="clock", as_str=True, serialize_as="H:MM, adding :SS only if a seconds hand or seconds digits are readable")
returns 5:33:47
